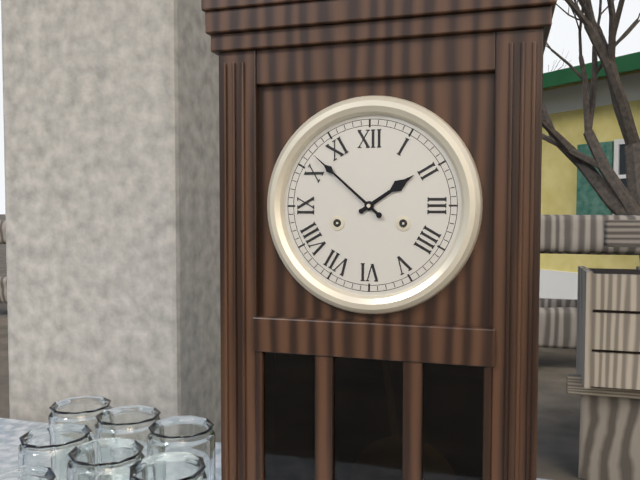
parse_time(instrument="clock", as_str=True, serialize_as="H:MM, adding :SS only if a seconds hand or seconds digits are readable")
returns 1:52
